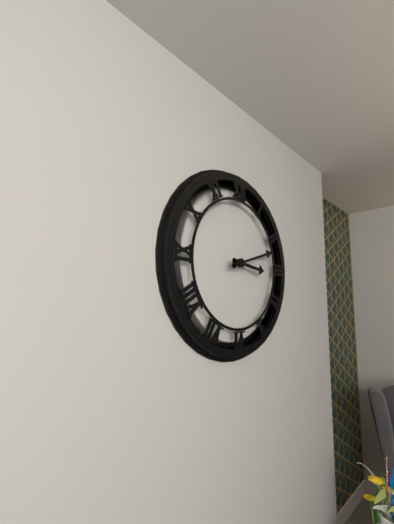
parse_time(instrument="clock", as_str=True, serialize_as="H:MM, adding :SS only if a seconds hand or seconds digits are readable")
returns 3:12
